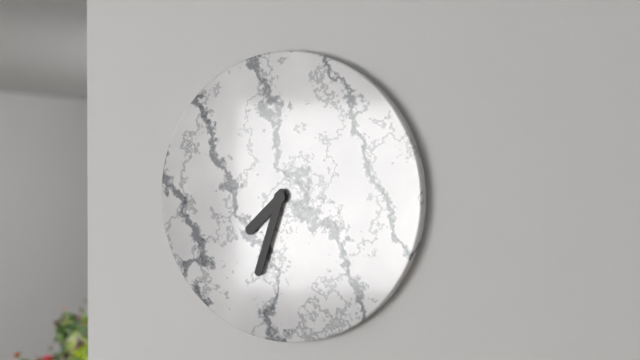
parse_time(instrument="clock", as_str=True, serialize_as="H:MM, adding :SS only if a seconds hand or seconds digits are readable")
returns 7:33
